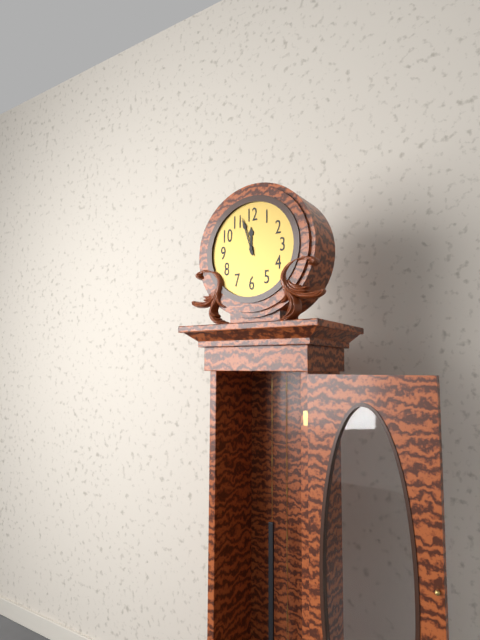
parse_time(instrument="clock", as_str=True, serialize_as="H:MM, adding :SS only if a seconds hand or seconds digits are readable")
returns 11:57
